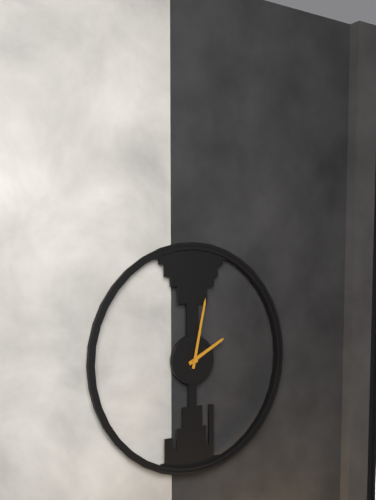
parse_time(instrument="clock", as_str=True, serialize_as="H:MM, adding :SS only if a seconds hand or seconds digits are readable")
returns 2:02
